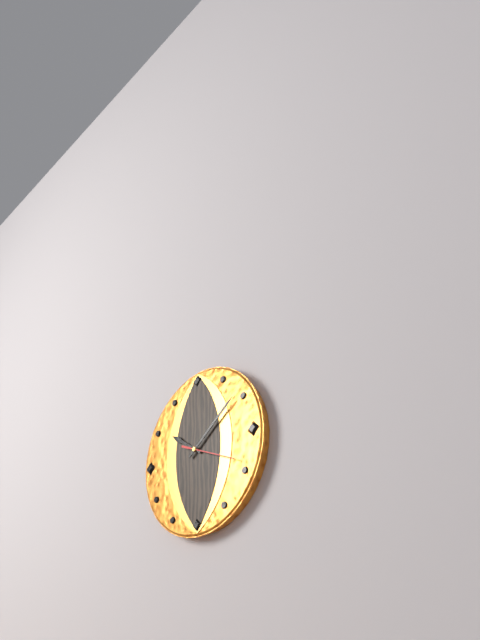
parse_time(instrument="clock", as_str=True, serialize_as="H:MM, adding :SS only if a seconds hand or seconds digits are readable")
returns 10:09
